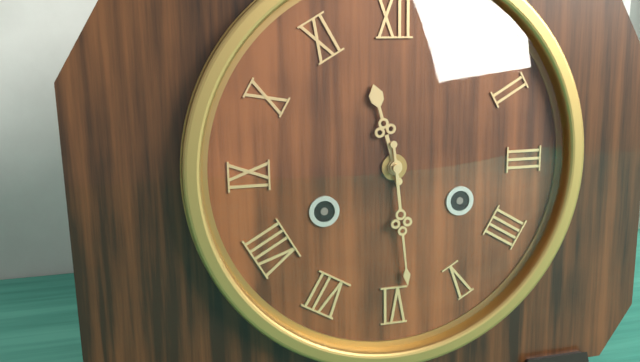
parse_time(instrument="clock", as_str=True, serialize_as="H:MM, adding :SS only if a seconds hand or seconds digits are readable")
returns 11:29
